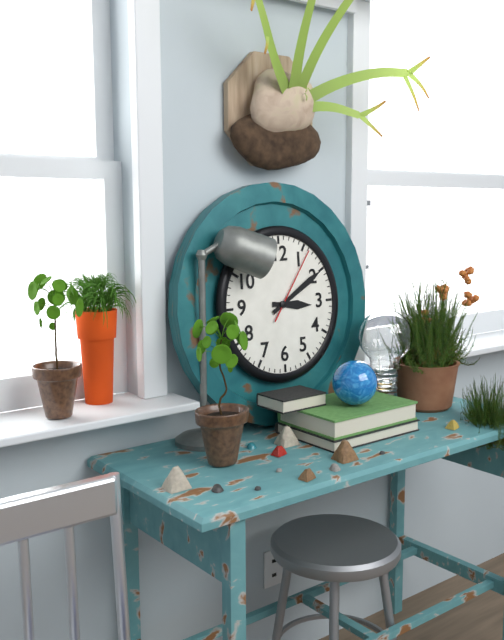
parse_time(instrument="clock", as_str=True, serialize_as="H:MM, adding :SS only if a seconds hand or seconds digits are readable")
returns 3:10:06
